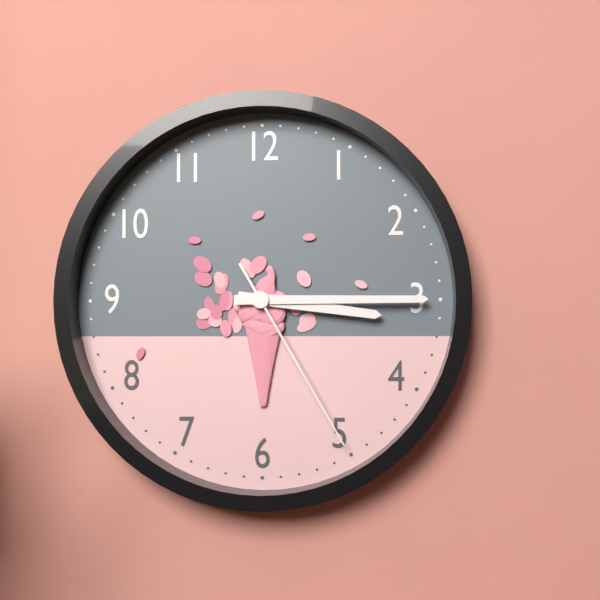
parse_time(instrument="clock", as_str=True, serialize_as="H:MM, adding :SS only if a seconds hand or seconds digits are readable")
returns 3:15:25
